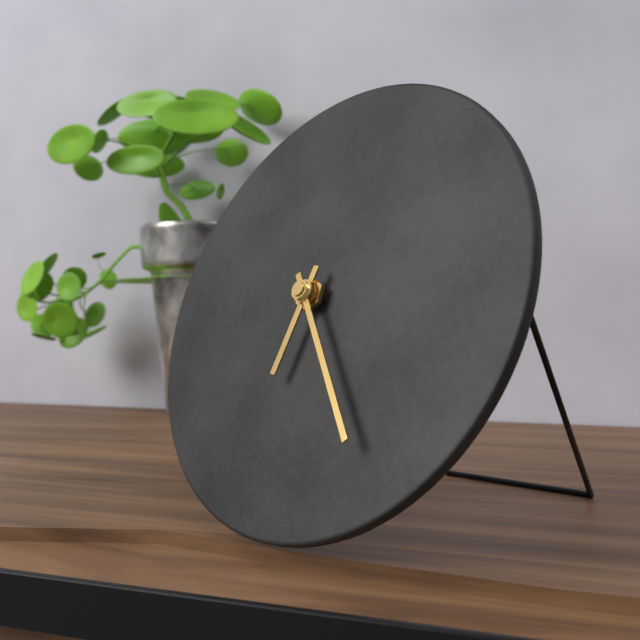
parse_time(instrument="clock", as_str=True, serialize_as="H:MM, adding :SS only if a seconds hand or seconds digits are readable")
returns 6:24
